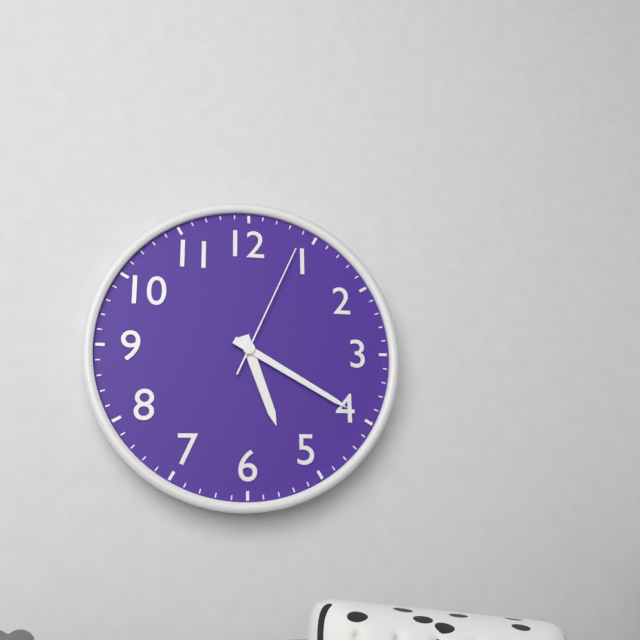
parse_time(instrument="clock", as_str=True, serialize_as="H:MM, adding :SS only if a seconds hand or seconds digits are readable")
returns 5:20:04
